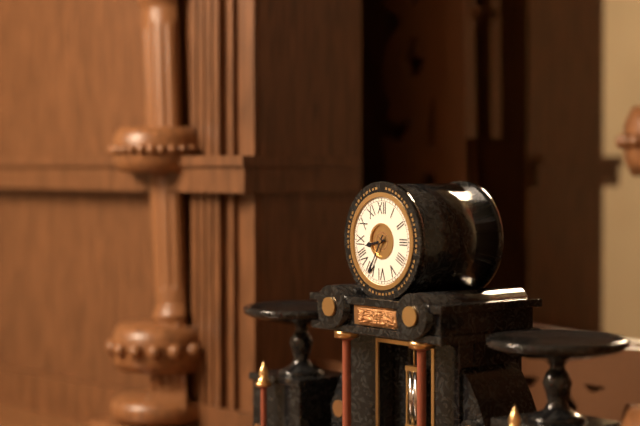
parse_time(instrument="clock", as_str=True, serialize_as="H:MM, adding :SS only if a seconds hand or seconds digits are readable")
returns 8:35
